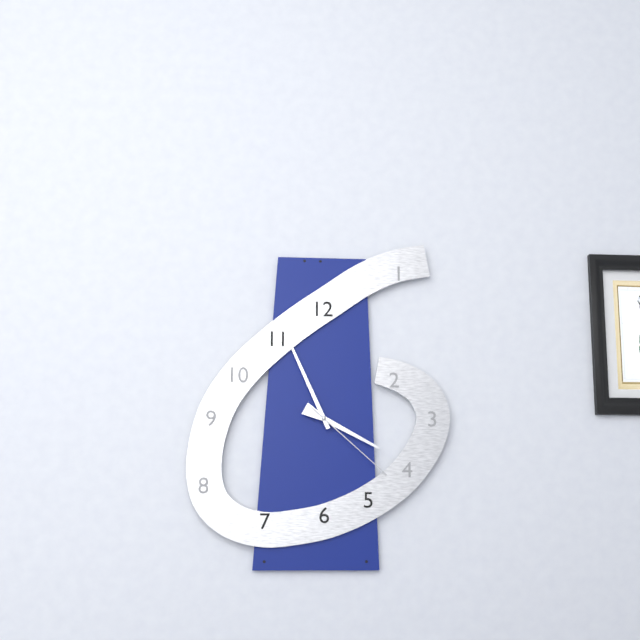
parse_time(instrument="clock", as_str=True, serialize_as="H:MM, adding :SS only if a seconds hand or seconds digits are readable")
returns 3:56:22
